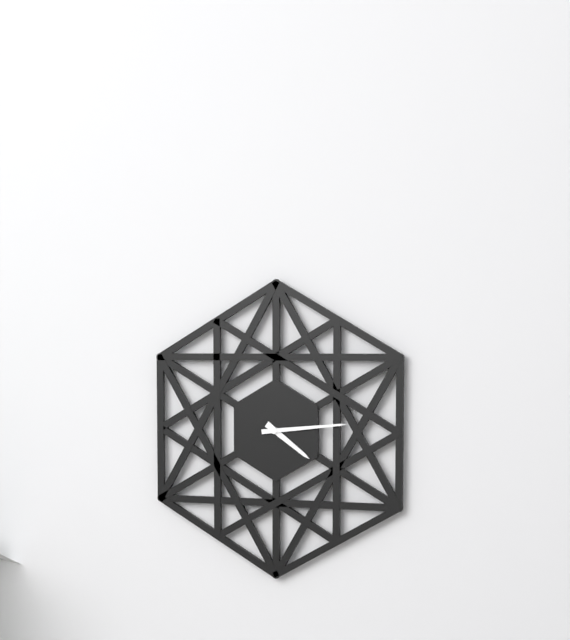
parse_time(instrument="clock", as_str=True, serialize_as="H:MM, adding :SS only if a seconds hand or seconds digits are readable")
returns 4:14
